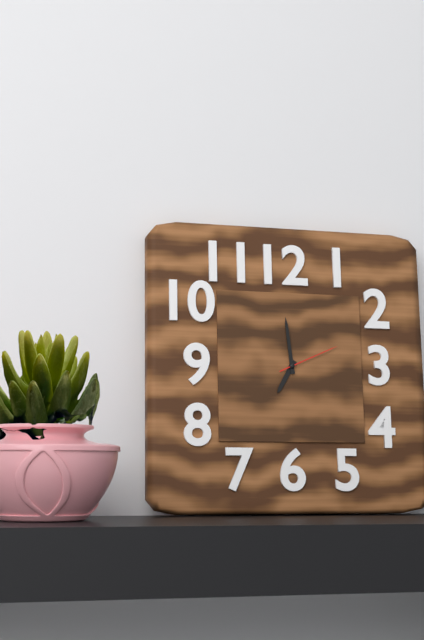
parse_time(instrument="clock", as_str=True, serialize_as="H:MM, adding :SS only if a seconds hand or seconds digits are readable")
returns 6:59:11
